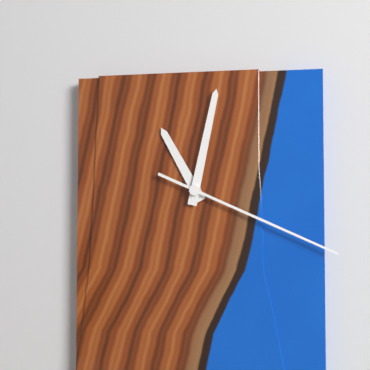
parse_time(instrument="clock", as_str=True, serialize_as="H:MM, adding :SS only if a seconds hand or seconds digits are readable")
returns 11:02:19
